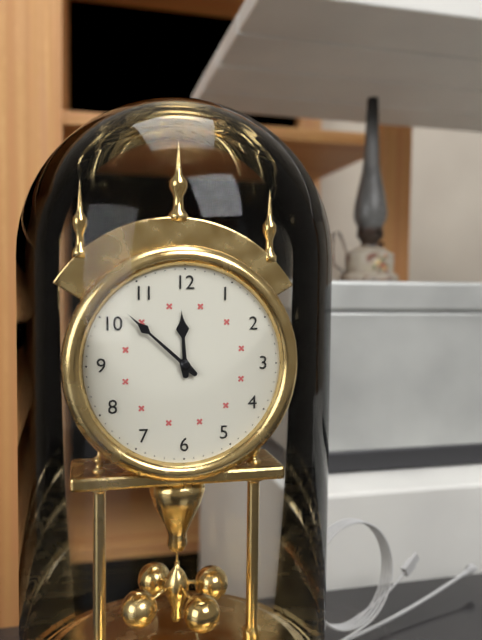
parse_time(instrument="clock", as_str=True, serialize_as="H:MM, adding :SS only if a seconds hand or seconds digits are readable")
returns 11:52
